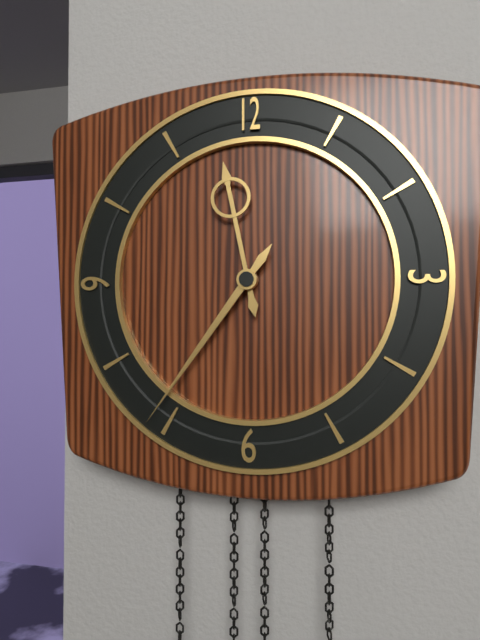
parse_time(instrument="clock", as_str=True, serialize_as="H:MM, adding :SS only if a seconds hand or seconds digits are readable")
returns 11:36
